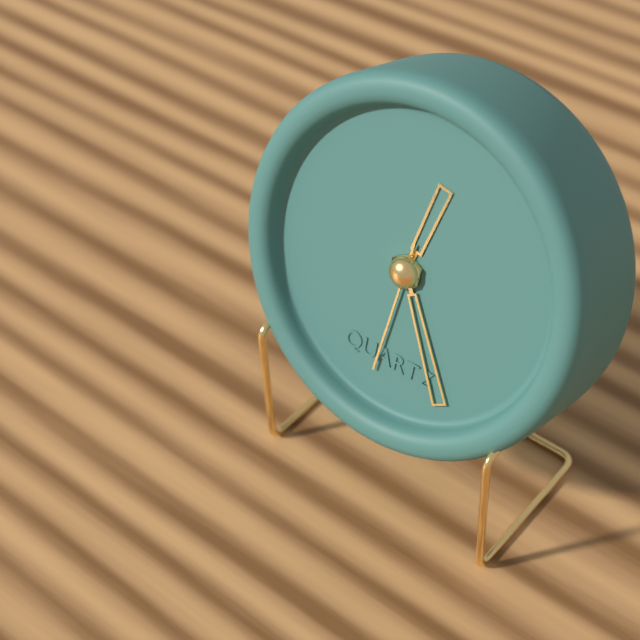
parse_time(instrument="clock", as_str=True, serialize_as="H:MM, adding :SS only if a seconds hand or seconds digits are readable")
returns 12:25:31
